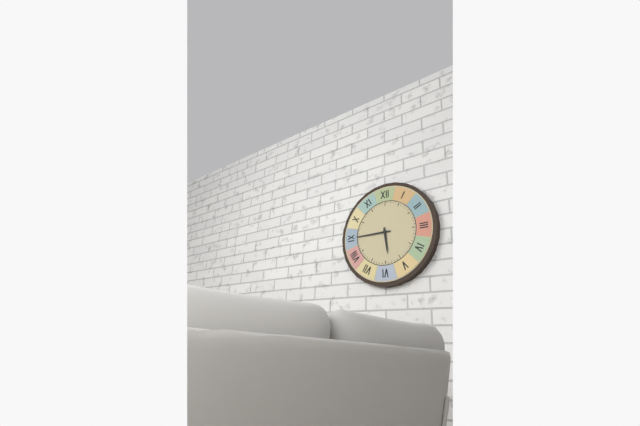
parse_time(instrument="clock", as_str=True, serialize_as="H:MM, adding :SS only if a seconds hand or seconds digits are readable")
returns 5:45
